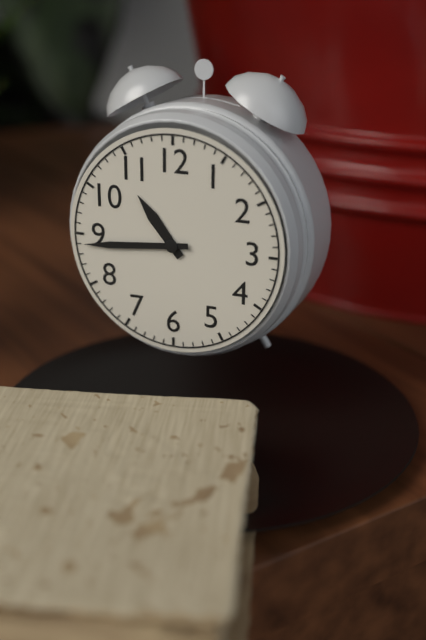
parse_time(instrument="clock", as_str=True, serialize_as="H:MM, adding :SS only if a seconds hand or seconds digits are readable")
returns 10:44
